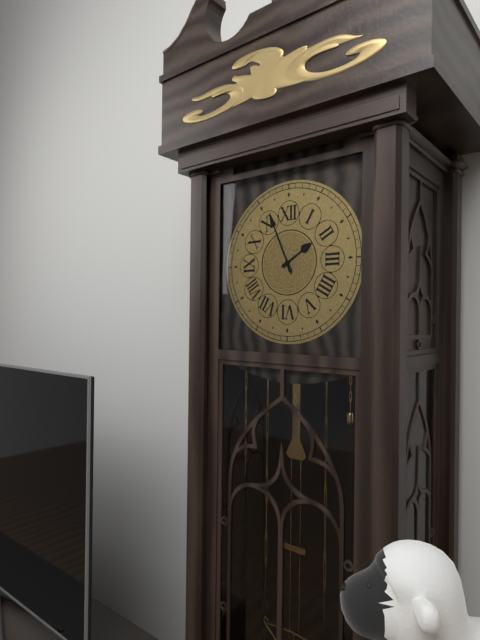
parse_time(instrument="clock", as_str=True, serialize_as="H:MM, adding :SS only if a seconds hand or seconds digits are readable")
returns 1:56
